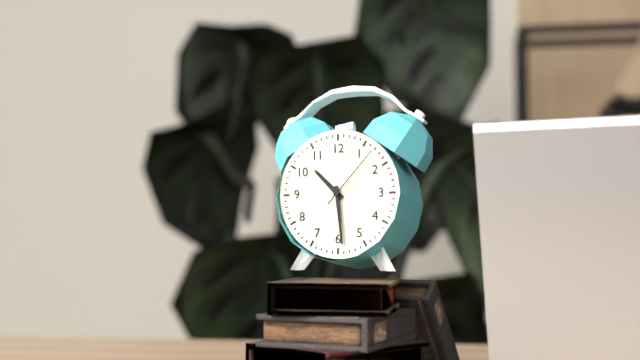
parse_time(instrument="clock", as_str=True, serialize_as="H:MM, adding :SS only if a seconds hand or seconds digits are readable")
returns 10:29:07
